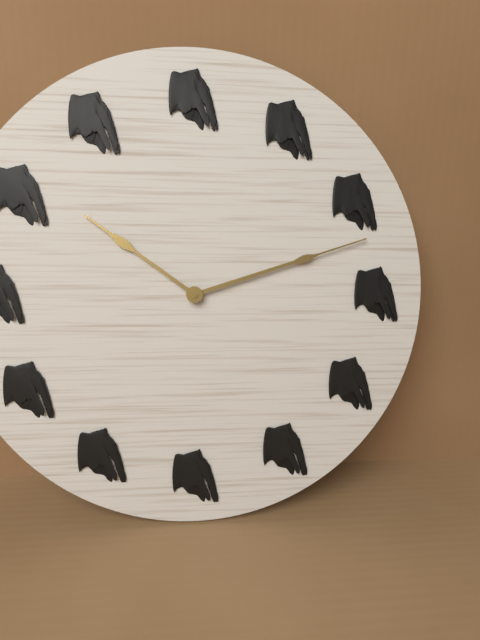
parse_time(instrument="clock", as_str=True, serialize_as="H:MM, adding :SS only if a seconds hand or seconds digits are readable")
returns 10:12
